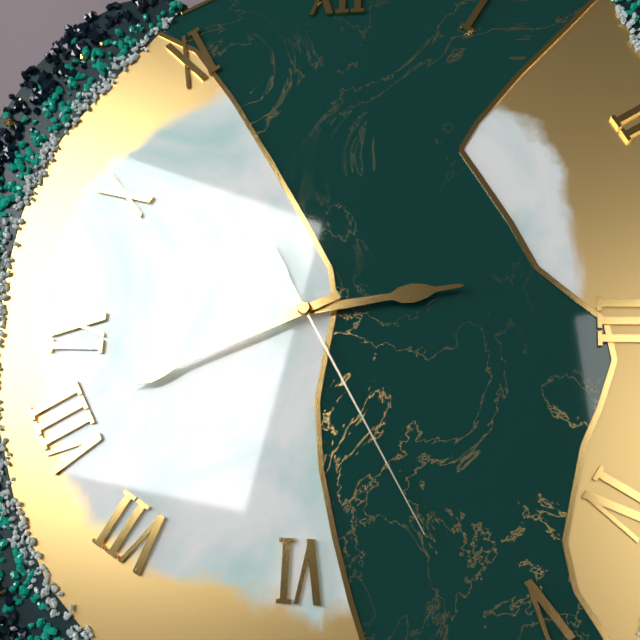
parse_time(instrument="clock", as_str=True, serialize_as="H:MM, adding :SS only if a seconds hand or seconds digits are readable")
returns 2:41:25
